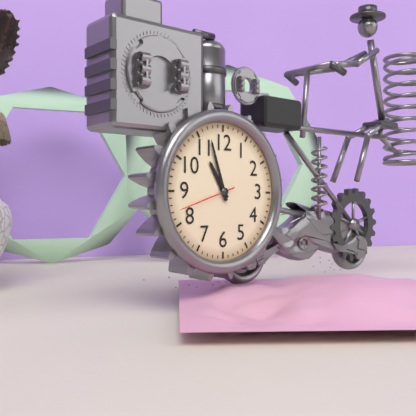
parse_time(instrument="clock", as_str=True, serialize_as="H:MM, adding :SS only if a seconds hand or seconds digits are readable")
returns 10:57:42
